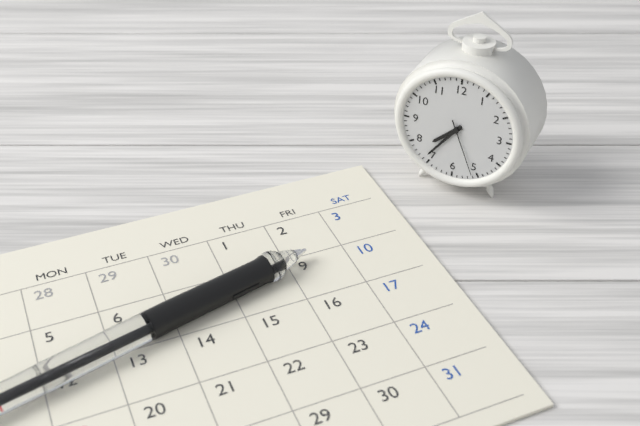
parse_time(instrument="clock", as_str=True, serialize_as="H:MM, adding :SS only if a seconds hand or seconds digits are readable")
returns 7:36:26
